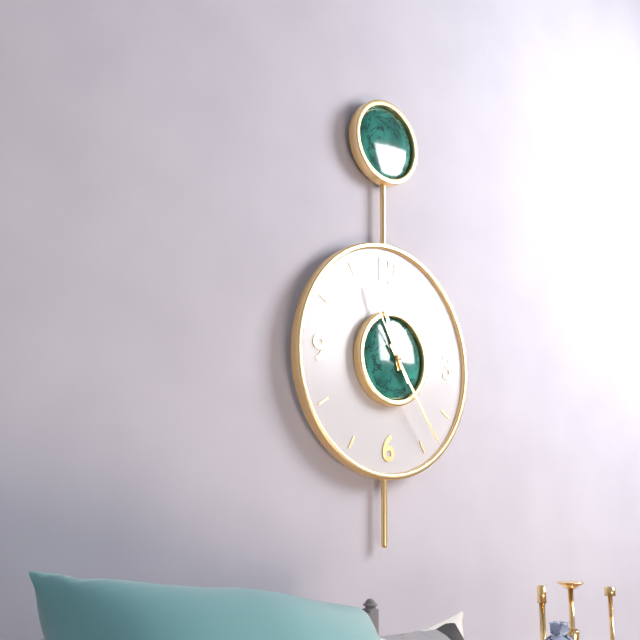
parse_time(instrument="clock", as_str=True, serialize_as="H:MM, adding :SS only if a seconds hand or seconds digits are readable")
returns 11:24:55
